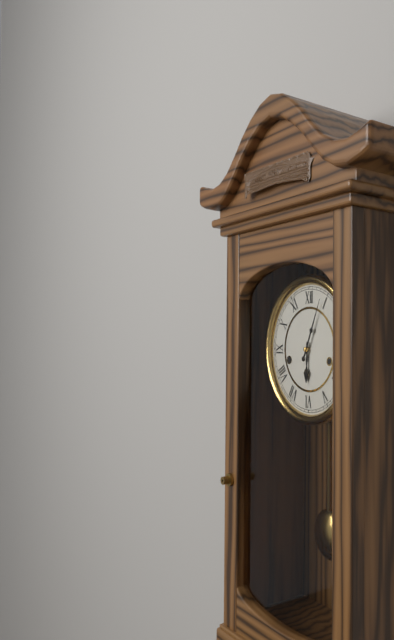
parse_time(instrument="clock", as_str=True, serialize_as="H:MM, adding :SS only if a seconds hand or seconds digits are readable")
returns 6:04
